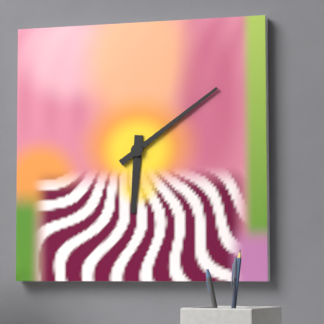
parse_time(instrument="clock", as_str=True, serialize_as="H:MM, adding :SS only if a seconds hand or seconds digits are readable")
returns 6:09
